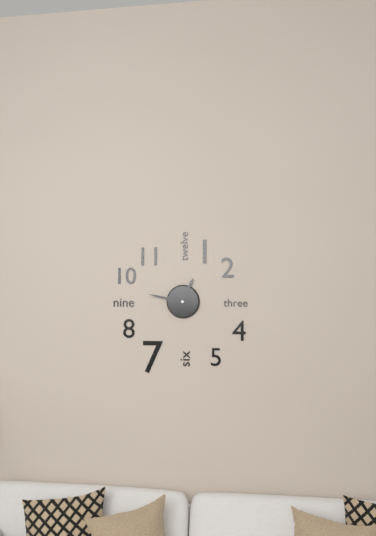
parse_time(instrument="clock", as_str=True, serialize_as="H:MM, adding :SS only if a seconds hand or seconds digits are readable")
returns 12:47
